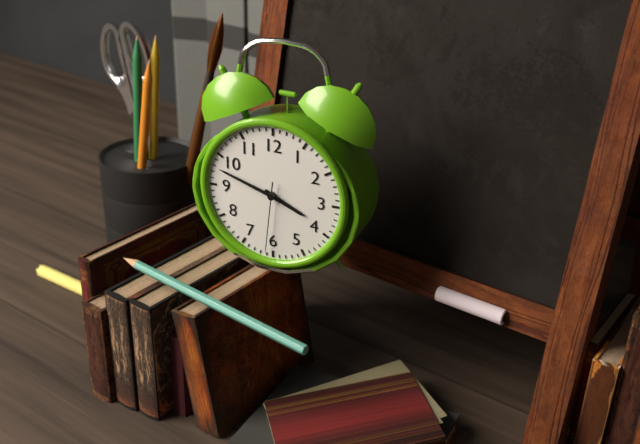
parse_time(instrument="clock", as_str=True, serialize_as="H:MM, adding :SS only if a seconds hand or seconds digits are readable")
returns 3:48:31
